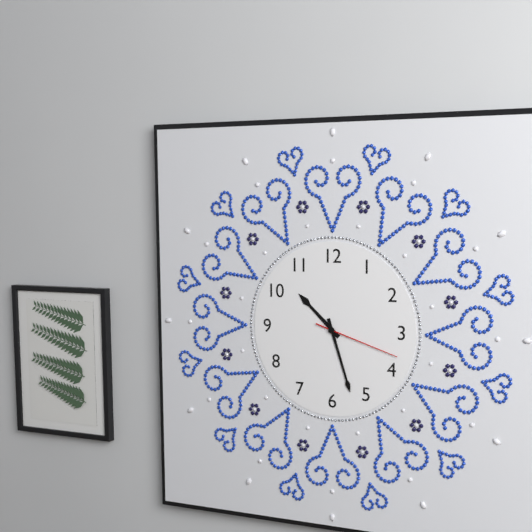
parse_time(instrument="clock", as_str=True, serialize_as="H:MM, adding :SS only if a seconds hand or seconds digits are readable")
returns 10:27:18
